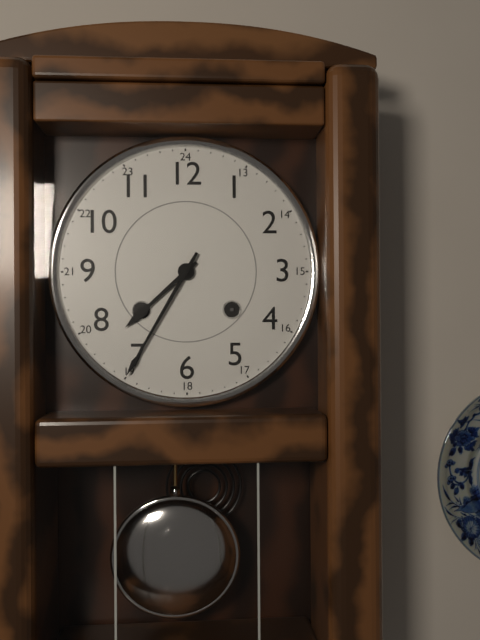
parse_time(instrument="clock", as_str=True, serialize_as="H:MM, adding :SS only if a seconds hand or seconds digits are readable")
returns 7:35
